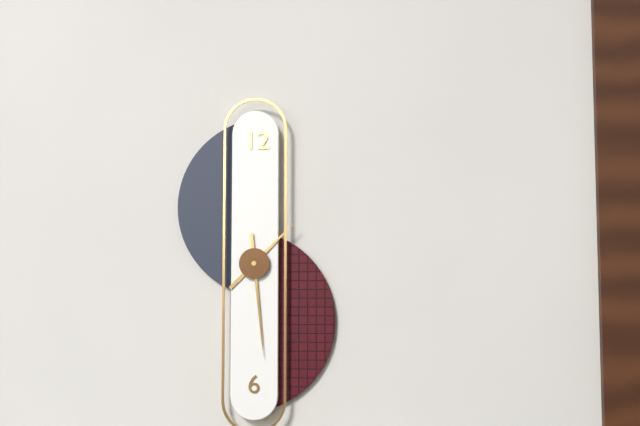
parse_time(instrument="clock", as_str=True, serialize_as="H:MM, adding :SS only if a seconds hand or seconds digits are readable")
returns 1:29
